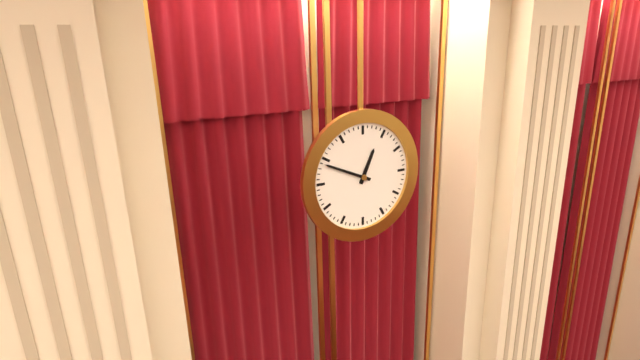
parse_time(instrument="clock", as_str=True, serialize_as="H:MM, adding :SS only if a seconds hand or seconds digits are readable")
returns 12:49
